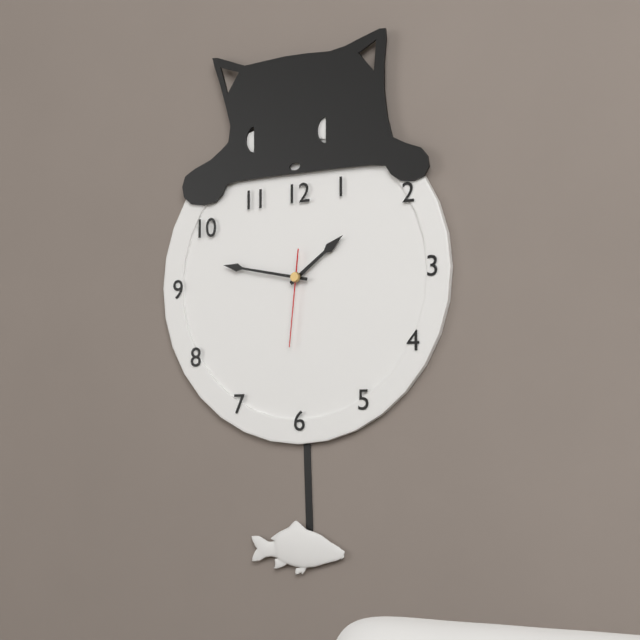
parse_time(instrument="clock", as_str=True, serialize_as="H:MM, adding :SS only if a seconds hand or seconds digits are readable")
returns 1:47:31
